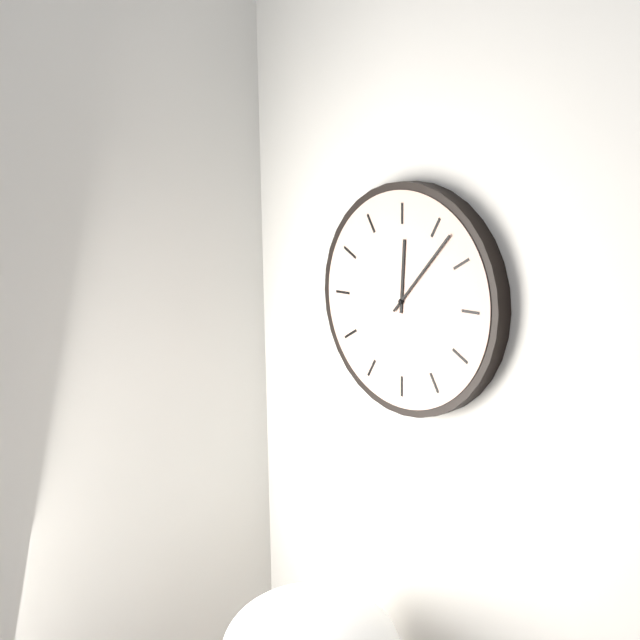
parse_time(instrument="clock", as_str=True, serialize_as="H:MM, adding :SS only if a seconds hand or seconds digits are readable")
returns 12:07
